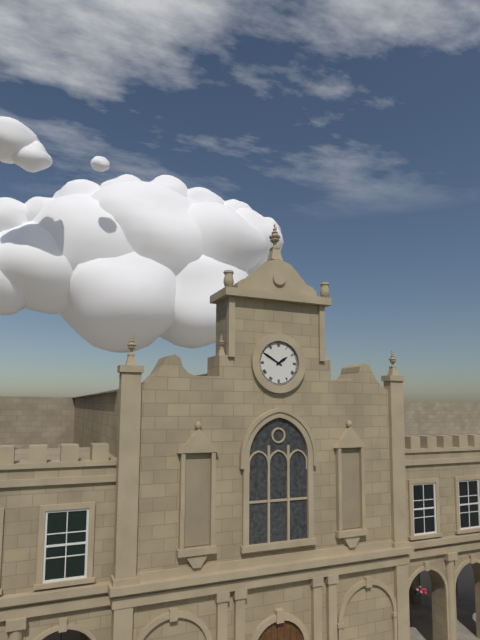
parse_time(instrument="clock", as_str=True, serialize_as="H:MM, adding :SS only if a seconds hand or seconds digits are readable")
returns 1:50
